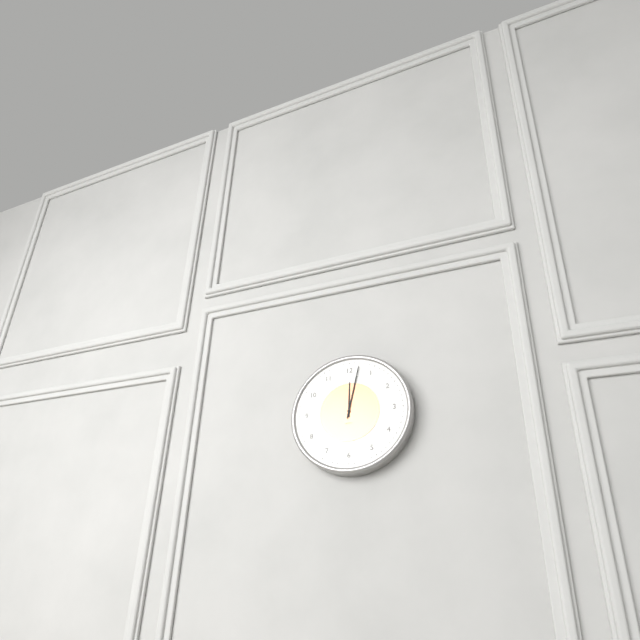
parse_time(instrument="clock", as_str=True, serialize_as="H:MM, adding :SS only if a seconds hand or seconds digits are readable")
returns 12:02
